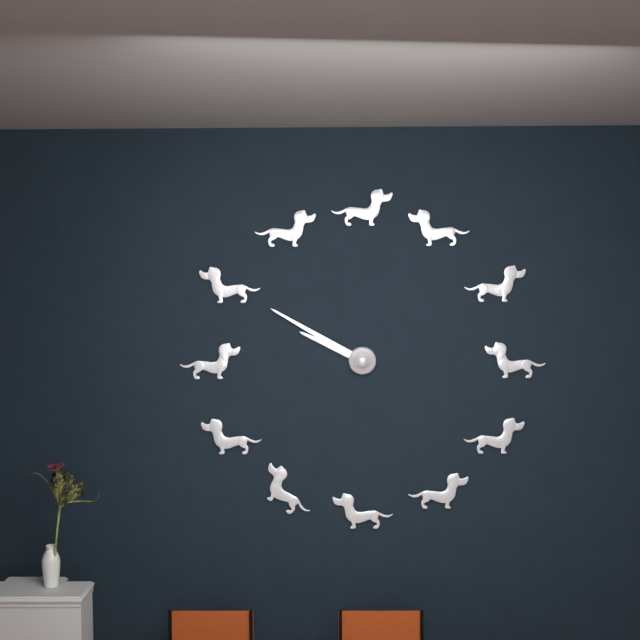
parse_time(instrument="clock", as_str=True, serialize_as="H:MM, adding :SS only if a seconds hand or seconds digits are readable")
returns 9:50
